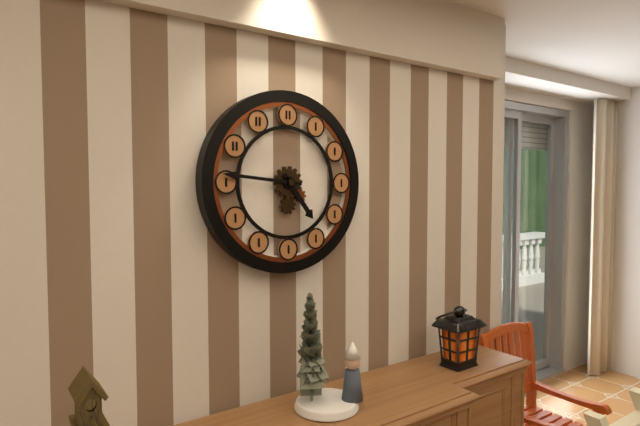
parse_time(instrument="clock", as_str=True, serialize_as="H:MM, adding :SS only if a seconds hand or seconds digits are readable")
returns 4:46
